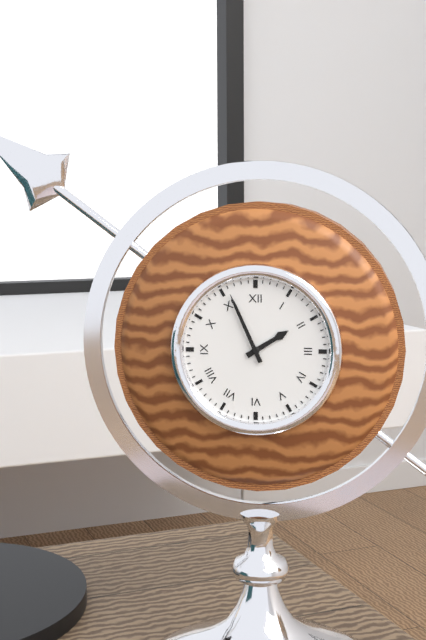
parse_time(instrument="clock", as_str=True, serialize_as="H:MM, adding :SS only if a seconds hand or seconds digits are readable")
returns 1:56
